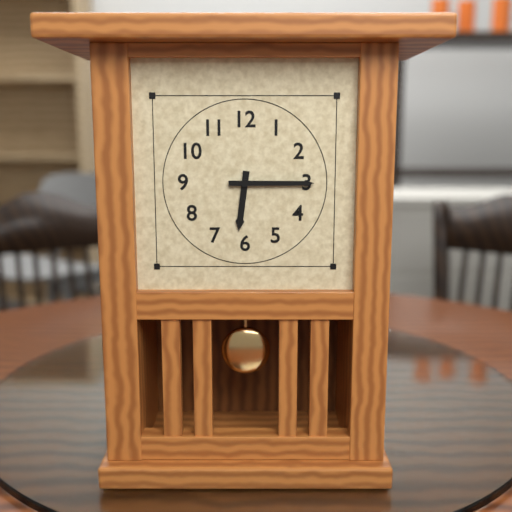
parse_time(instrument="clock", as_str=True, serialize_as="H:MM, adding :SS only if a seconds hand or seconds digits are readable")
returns 6:15
